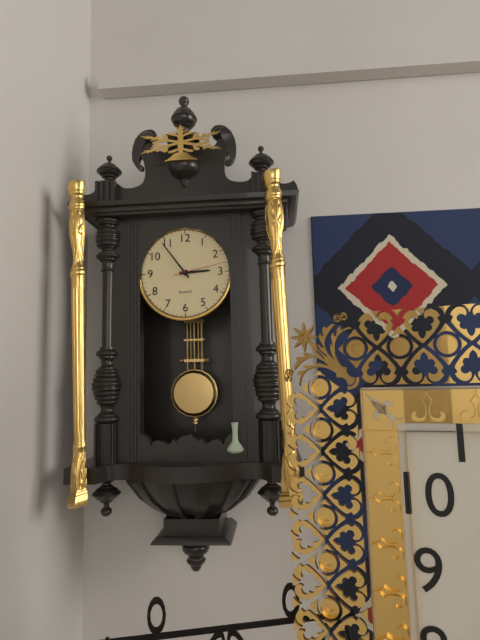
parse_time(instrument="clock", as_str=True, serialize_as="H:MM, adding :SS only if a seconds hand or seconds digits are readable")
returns 2:54:13
